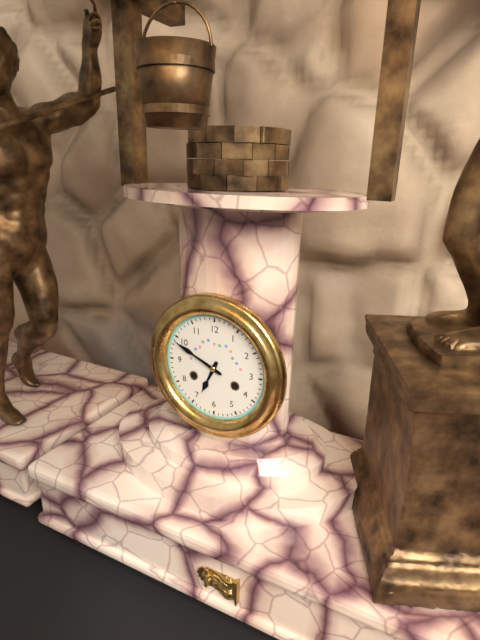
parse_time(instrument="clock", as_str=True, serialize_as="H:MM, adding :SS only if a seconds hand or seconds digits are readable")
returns 6:49
